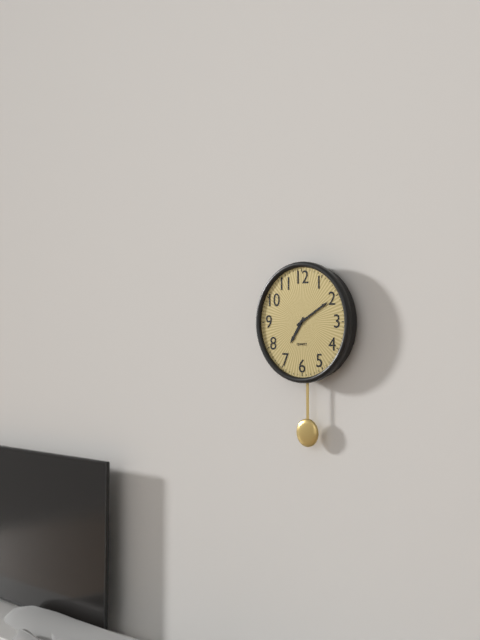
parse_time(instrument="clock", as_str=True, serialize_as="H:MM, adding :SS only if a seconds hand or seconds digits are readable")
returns 7:10
